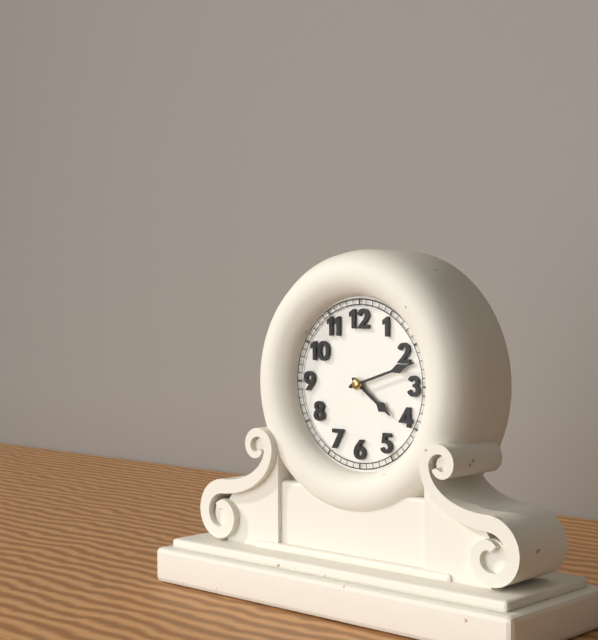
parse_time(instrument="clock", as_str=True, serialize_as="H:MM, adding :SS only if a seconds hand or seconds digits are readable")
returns 4:12
